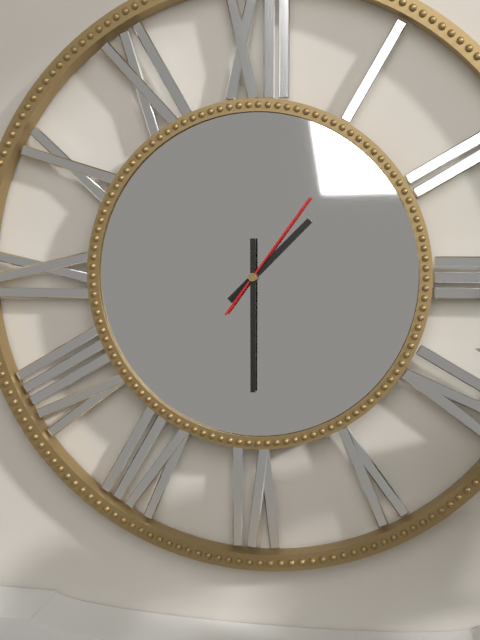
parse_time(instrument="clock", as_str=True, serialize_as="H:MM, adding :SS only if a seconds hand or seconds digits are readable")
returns 1:30:06
